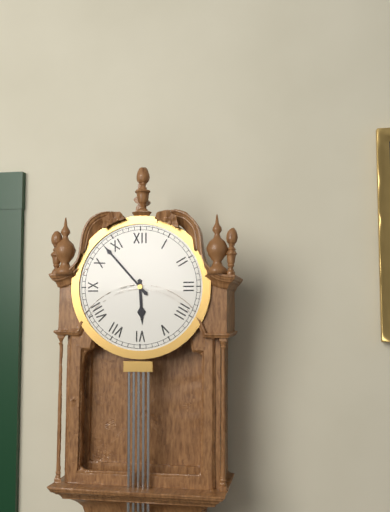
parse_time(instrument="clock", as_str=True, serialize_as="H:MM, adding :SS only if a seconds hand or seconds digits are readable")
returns 5:53
